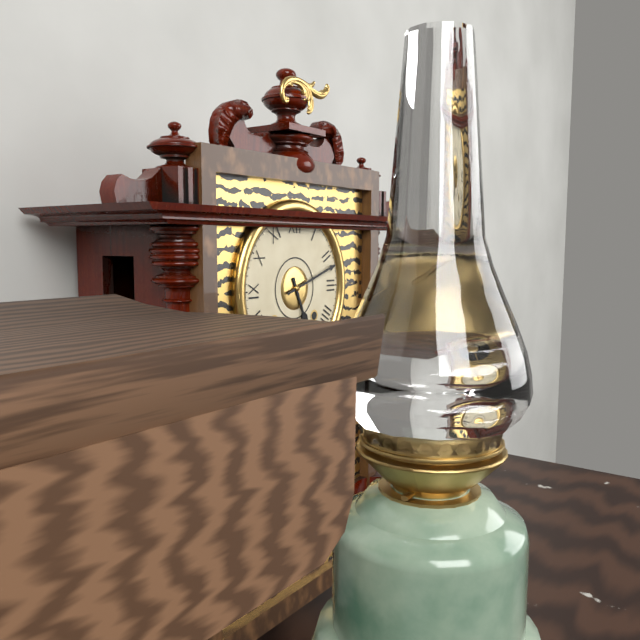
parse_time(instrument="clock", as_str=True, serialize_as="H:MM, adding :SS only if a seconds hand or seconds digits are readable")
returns 5:12
